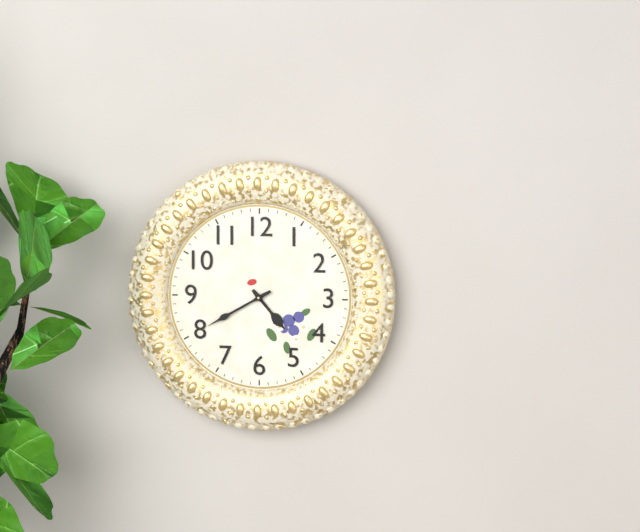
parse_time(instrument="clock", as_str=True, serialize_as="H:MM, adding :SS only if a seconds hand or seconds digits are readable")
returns 4:40
